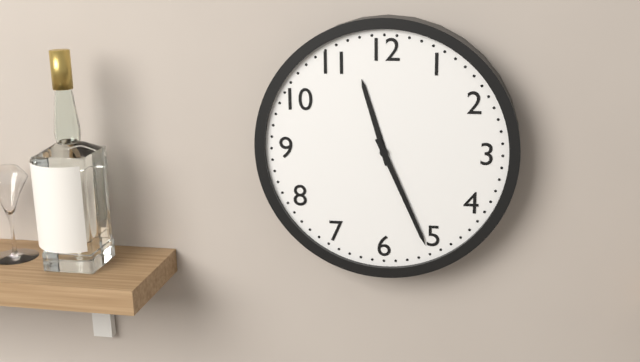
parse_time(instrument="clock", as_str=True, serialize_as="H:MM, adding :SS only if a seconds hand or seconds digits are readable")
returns 11:26
